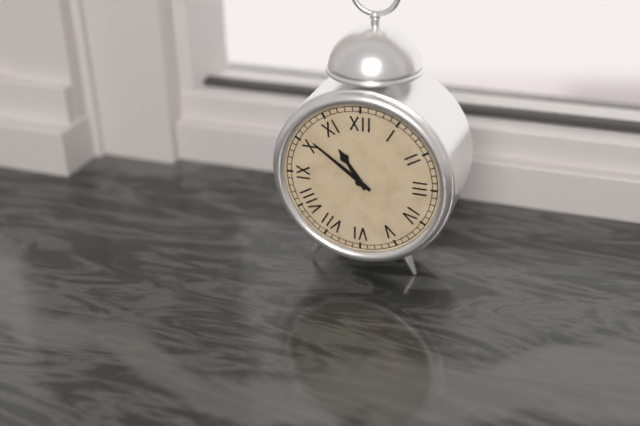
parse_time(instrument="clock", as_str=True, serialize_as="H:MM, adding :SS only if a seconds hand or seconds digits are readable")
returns 10:51
